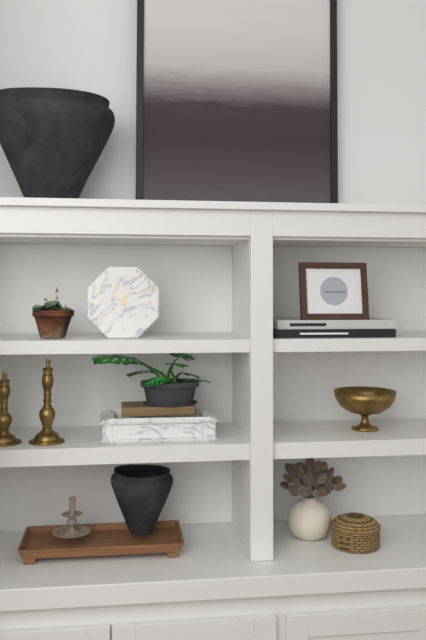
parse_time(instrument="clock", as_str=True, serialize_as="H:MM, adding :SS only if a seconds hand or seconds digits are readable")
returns 12:55
